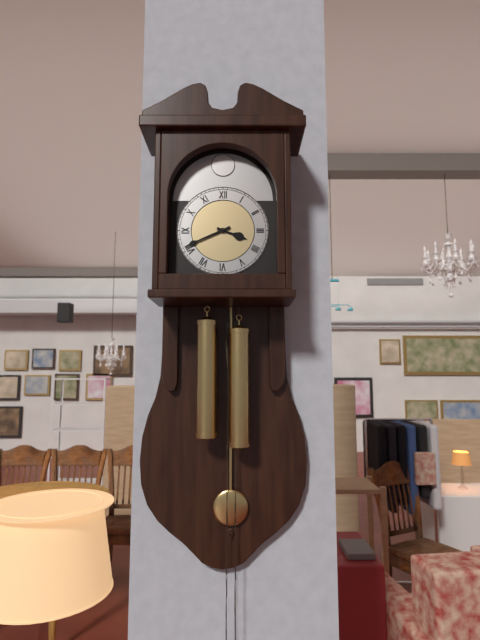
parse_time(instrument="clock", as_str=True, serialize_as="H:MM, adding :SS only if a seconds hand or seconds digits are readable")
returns 3:41
